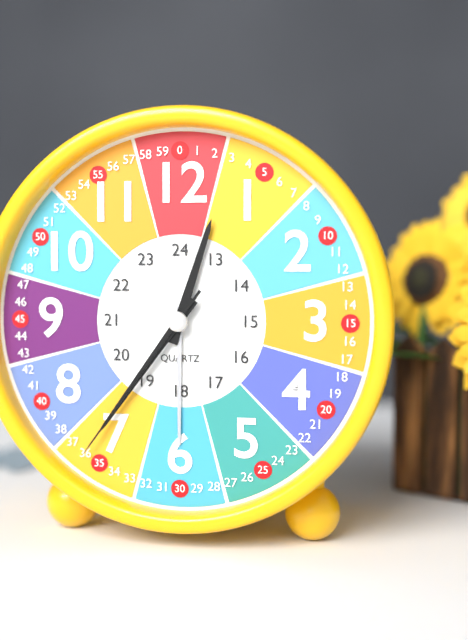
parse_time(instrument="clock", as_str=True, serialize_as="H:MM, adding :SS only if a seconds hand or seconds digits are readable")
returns 12:36:36
